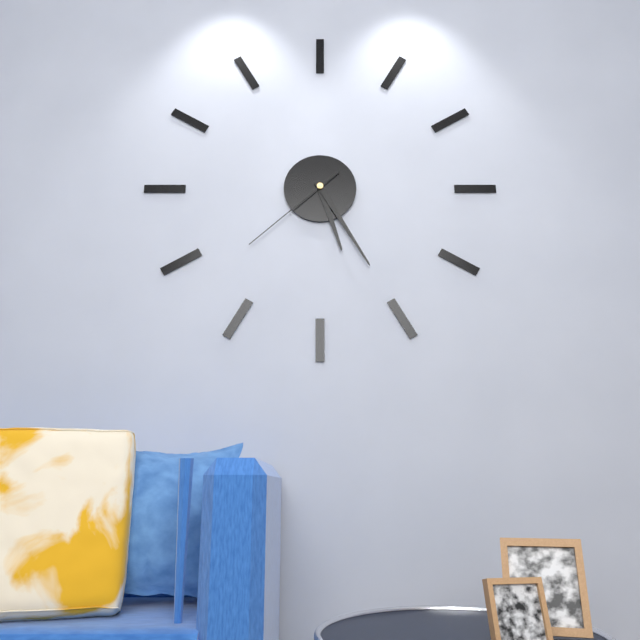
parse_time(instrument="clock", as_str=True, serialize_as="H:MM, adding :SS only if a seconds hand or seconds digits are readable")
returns 5:25:38
